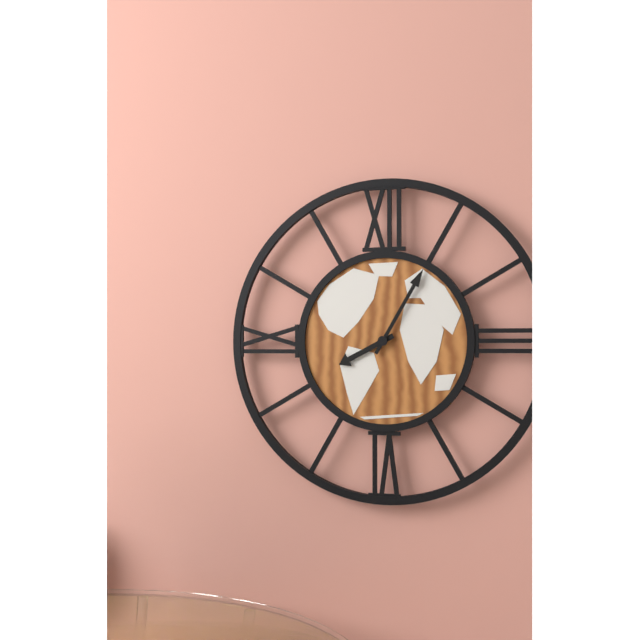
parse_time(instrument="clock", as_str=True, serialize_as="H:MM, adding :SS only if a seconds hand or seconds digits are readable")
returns 8:05
